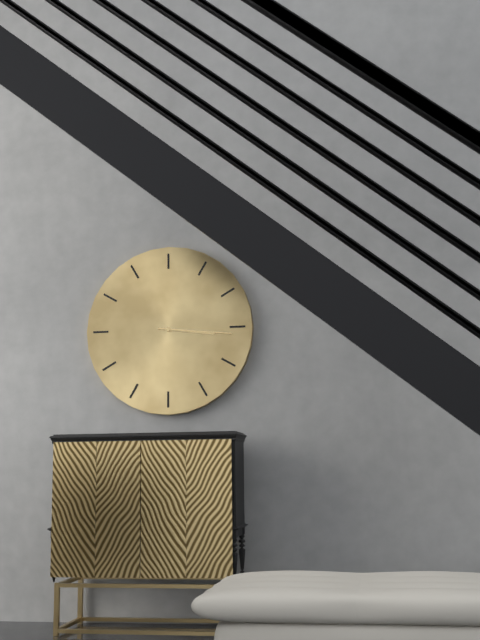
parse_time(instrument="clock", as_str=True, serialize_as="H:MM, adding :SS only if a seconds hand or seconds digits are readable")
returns 3:16
